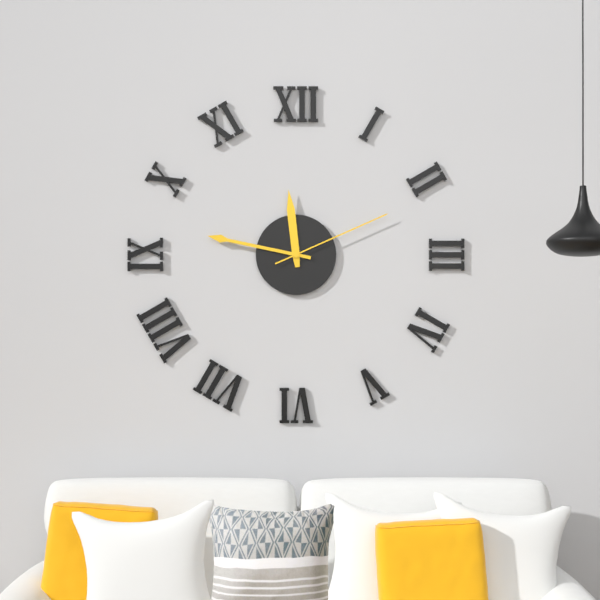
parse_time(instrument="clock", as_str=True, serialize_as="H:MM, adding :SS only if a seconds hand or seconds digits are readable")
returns 11:47:11
